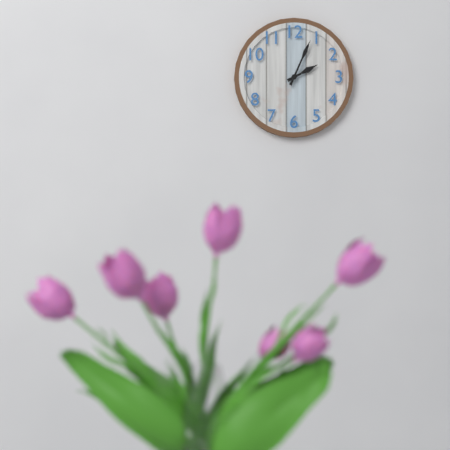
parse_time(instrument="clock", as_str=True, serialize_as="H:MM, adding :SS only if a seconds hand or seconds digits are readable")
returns 2:04
